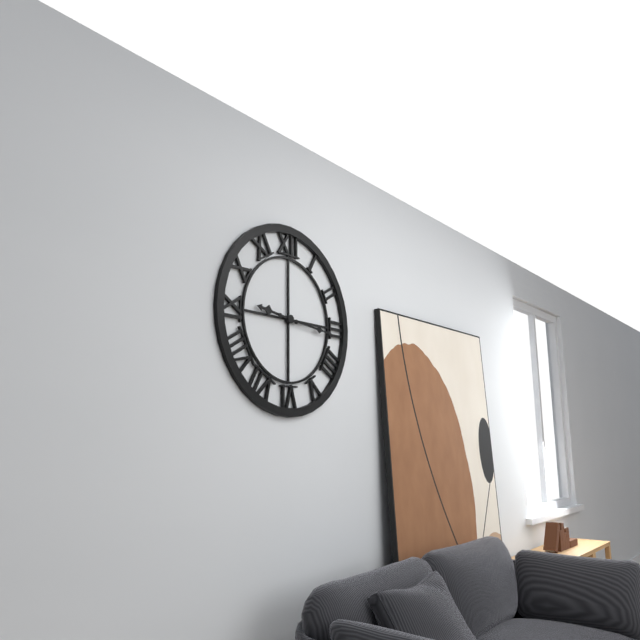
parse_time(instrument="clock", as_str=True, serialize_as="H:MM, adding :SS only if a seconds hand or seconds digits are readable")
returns 9:16
